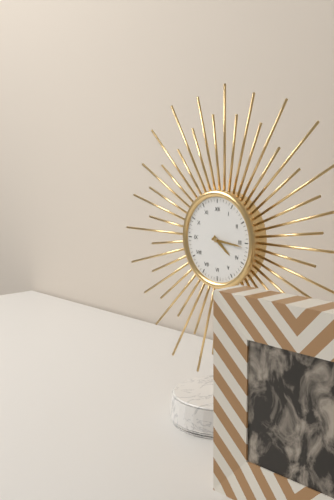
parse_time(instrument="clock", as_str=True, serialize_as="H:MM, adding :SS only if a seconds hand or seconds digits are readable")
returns 4:16
